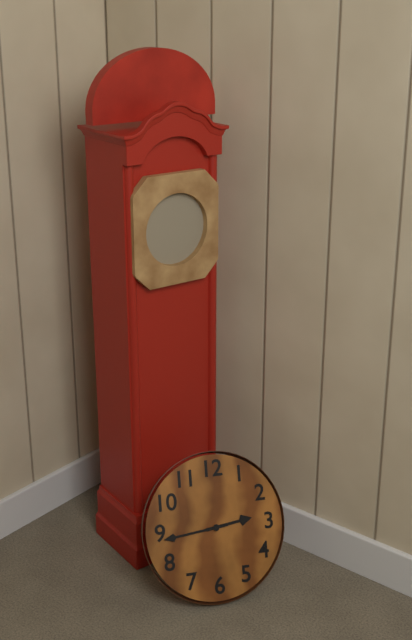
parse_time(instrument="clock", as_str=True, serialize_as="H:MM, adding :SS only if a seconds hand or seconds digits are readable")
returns 2:44
